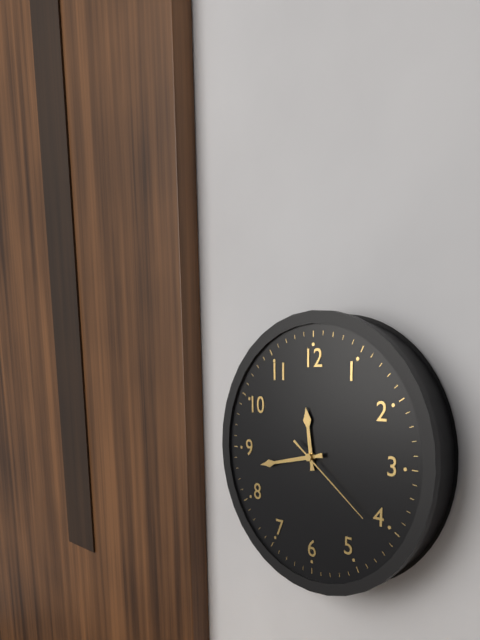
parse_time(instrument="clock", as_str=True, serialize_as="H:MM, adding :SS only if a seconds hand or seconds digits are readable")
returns 11:43:21
